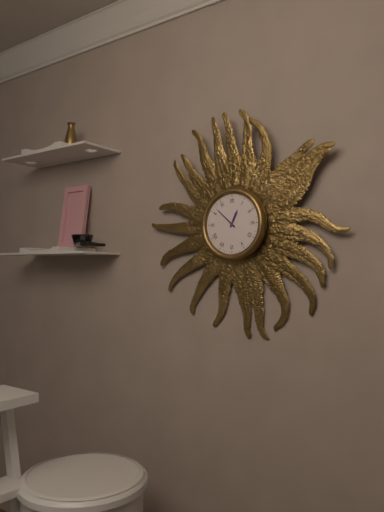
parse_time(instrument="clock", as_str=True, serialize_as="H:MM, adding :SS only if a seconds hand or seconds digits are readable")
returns 12:52
